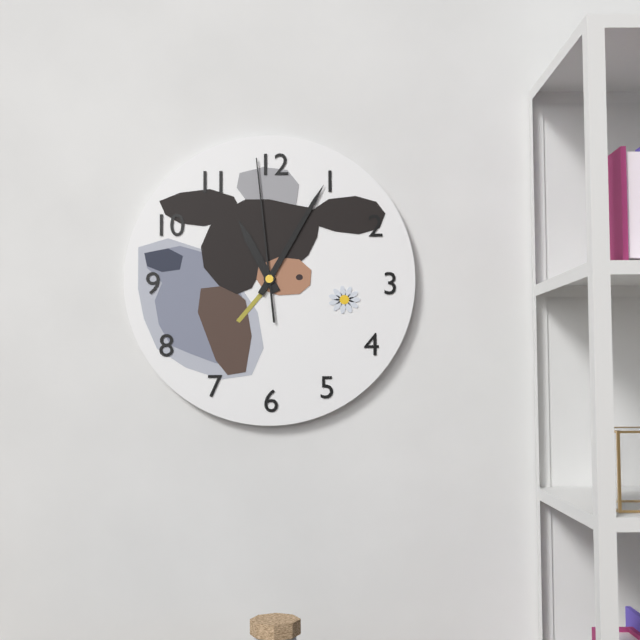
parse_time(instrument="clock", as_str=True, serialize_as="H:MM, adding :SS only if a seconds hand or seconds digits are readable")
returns 11:05:59
